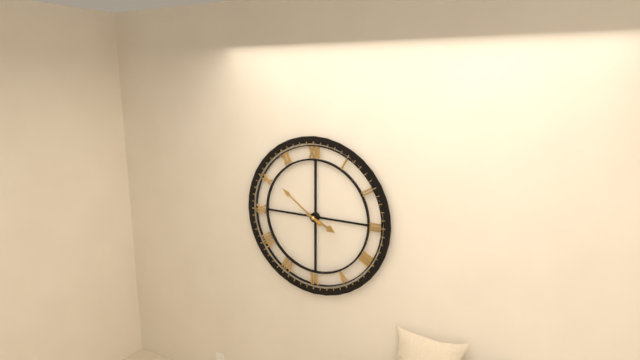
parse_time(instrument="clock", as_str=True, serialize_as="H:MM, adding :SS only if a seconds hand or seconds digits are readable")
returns 3:51
